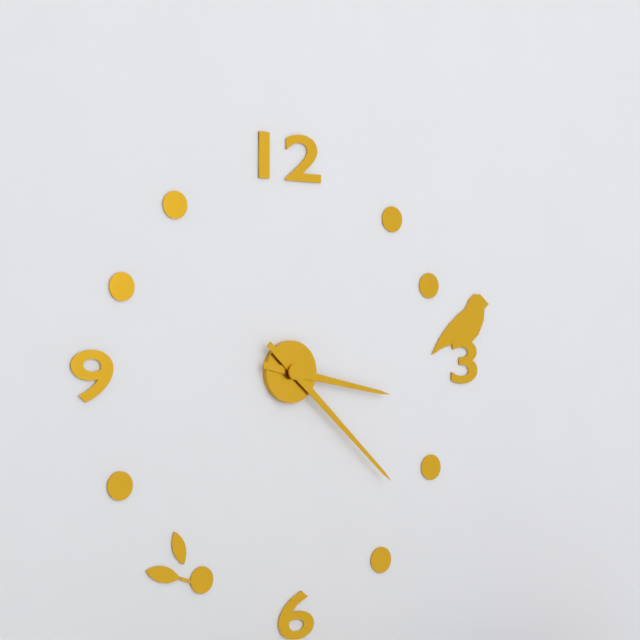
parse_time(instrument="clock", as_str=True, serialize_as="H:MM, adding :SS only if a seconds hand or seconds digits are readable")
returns 3:22
